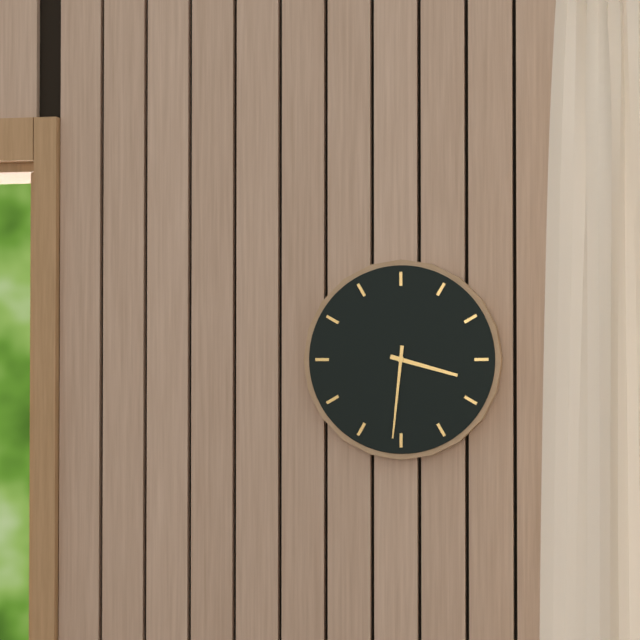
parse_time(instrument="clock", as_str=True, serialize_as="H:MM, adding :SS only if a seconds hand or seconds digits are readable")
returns 3:31
